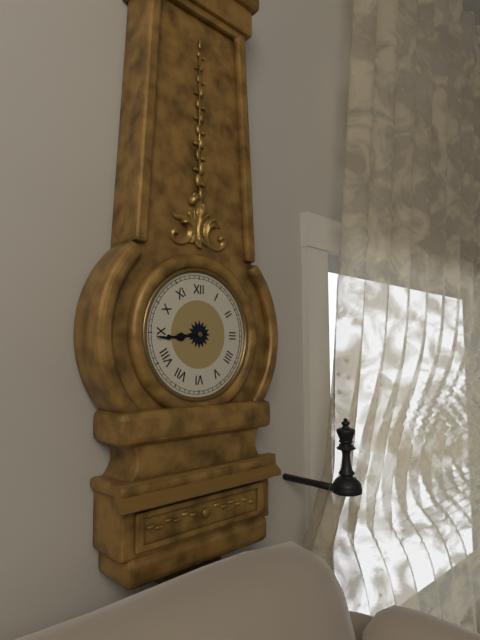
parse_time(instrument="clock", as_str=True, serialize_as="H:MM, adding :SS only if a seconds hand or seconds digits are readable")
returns 8:44
